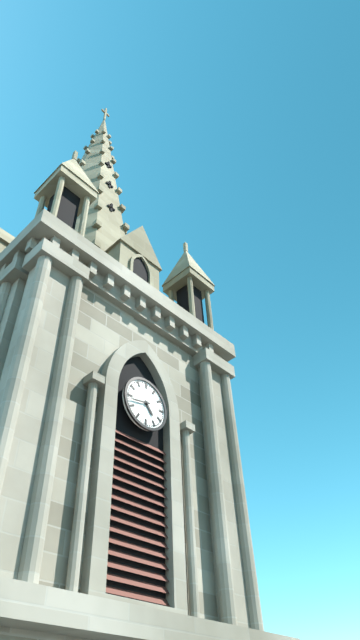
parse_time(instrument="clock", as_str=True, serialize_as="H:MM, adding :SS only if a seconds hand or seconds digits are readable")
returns 4:43
